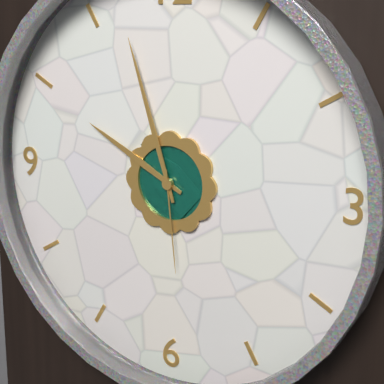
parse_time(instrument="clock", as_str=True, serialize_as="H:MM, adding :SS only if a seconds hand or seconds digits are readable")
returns 9:57:29
